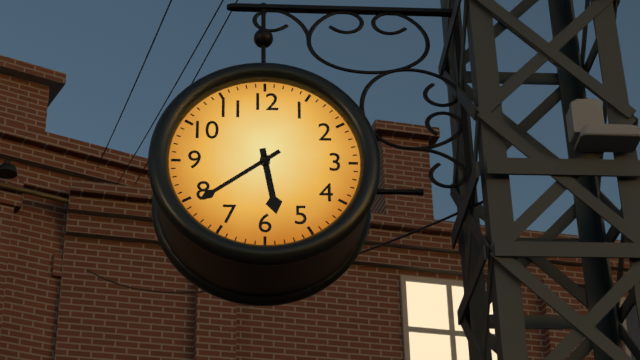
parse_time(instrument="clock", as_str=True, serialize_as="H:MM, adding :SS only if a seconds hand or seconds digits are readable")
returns 5:39
